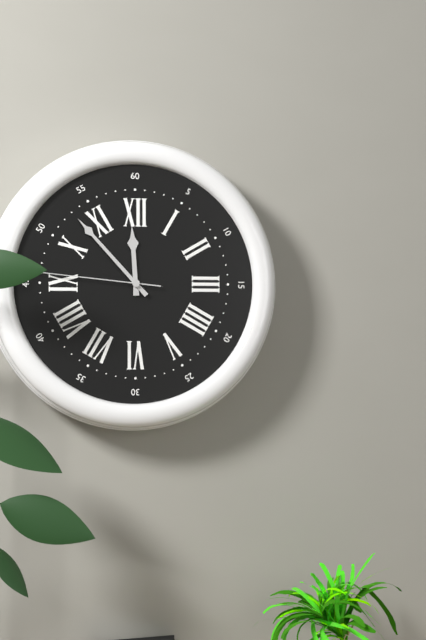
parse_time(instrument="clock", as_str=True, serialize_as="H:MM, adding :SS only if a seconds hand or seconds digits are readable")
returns 11:53:46
